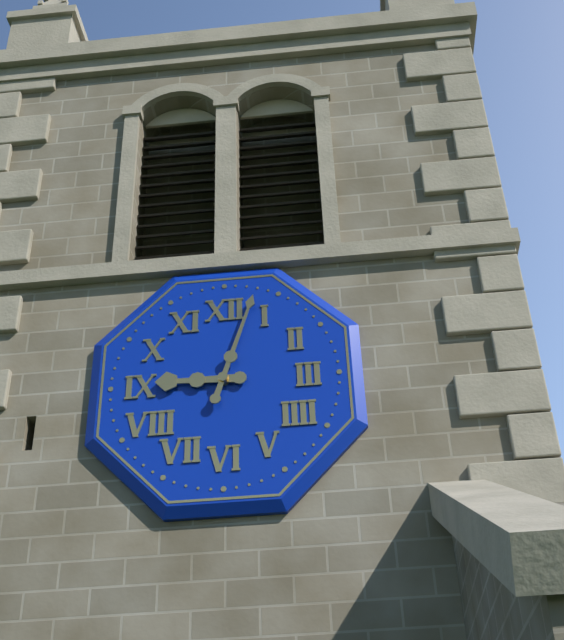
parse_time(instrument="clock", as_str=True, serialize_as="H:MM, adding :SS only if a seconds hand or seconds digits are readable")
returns 9:03
